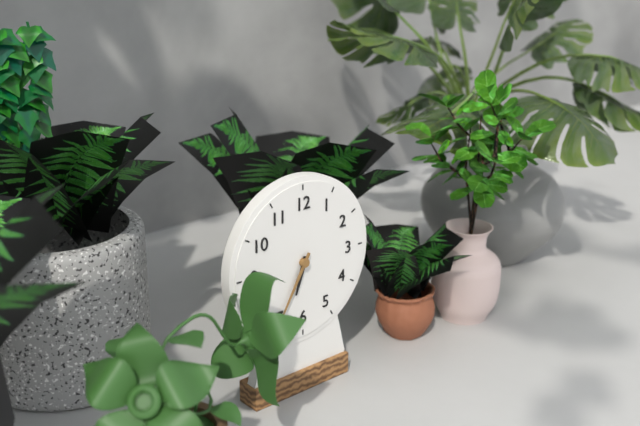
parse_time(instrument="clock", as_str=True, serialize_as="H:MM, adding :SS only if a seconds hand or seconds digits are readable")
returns 6:35
